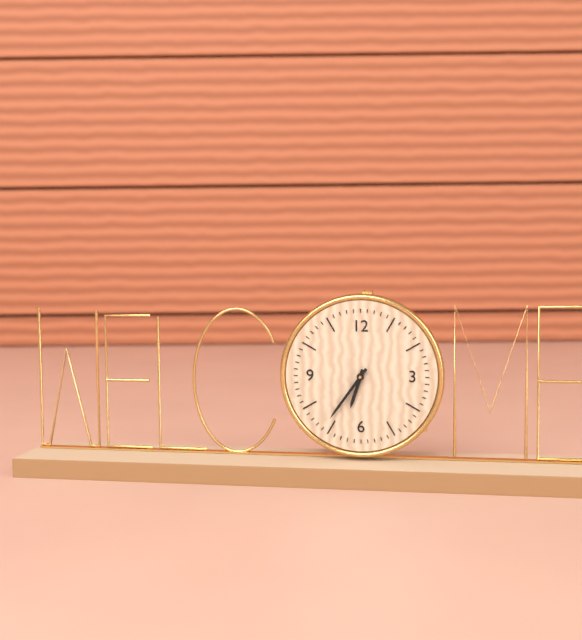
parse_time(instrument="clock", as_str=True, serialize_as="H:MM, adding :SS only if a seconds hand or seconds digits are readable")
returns 6:36
